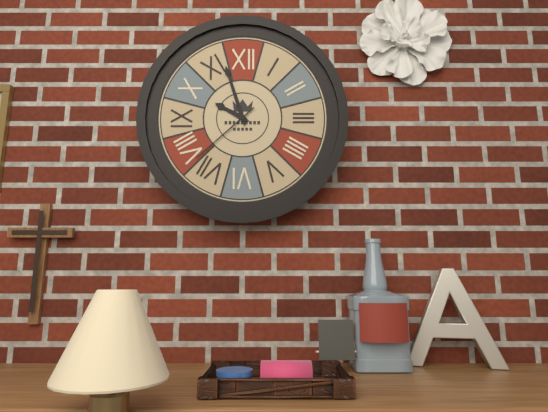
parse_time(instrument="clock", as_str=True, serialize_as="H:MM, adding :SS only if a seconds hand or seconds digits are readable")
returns 9:57:38
